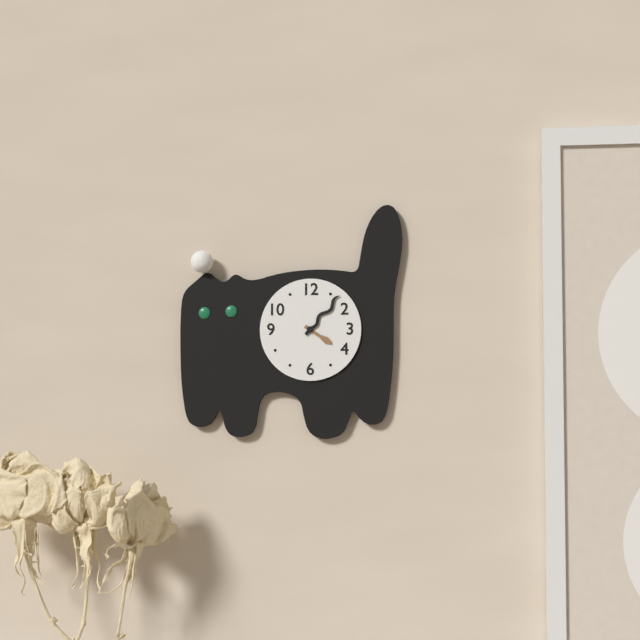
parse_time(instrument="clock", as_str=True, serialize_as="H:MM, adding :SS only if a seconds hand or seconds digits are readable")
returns 4:07
